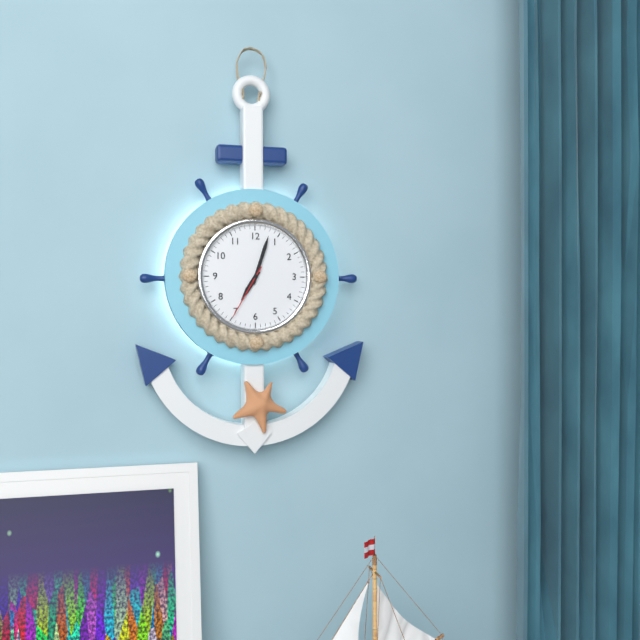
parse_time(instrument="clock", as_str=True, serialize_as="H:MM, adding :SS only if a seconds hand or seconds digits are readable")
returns 7:03:35
